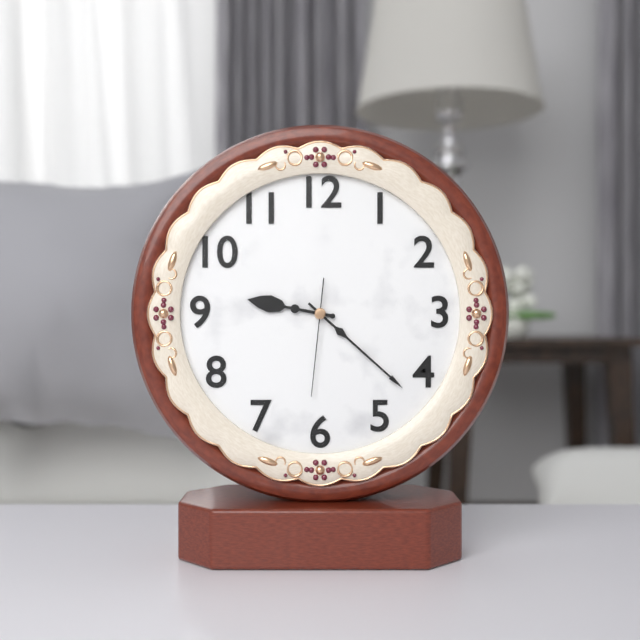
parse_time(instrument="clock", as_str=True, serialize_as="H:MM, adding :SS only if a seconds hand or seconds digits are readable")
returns 9:22:31
